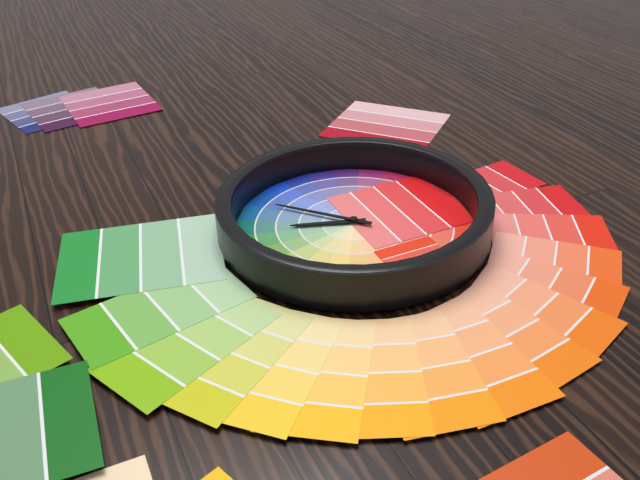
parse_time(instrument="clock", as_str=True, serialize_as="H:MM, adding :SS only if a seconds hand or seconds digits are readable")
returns 6:38
